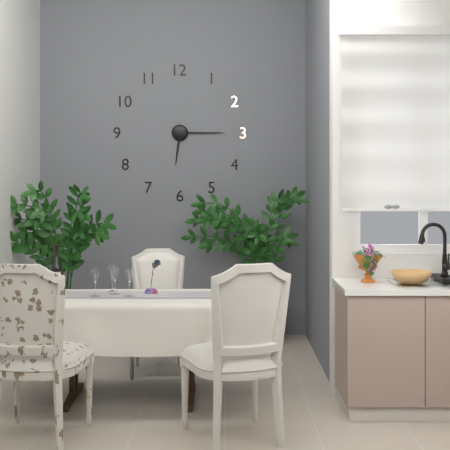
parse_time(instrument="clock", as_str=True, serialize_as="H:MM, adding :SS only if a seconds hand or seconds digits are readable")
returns 6:15
